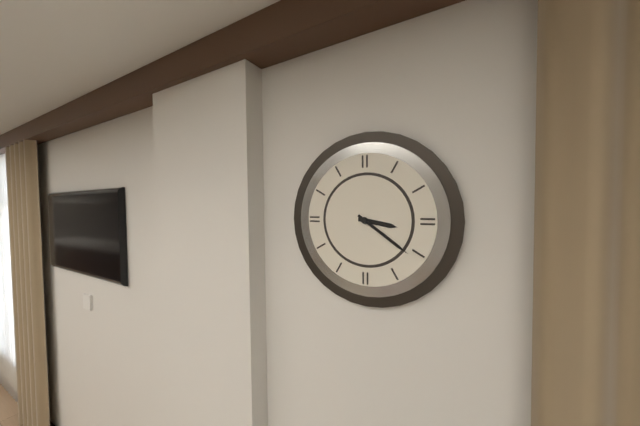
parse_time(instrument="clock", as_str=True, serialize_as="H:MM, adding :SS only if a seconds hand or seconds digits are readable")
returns 3:21
